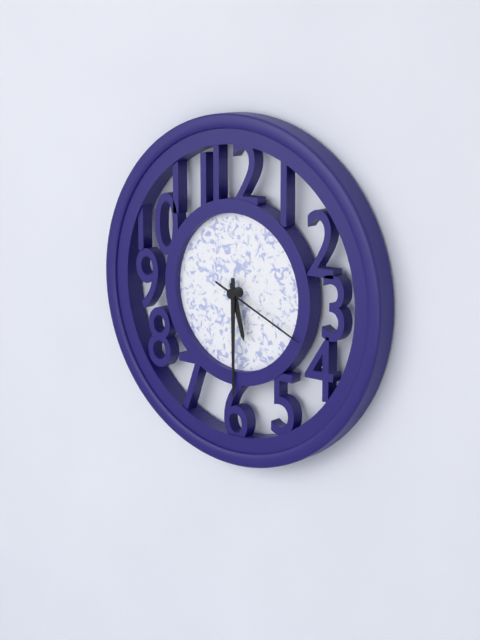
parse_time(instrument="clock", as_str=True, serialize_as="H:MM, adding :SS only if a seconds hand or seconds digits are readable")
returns 5:30:19
